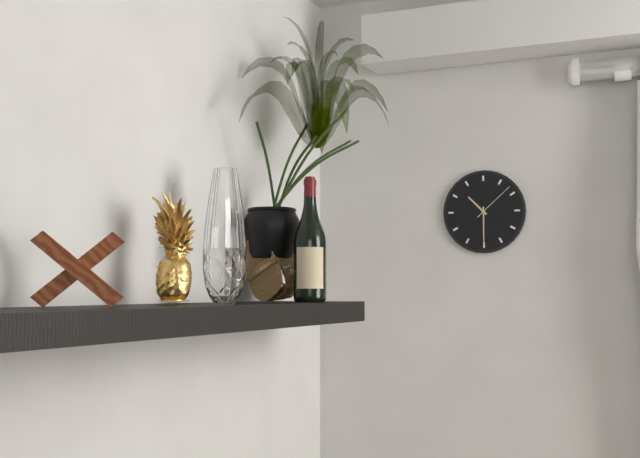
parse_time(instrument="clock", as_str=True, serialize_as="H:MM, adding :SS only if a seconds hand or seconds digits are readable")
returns 10:30
